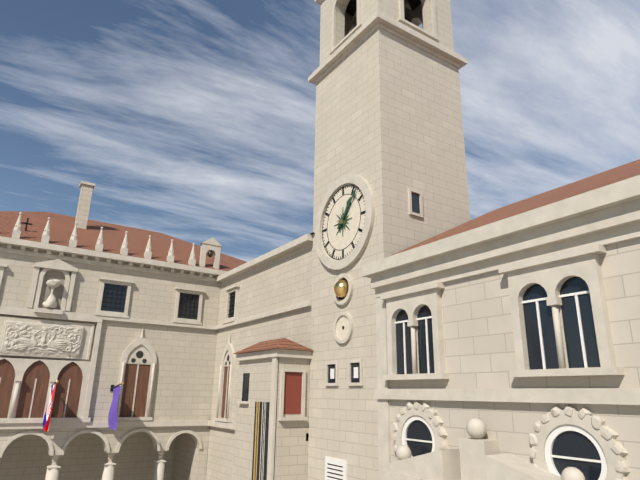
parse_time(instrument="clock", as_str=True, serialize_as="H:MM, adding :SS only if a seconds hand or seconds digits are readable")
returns 1:07
